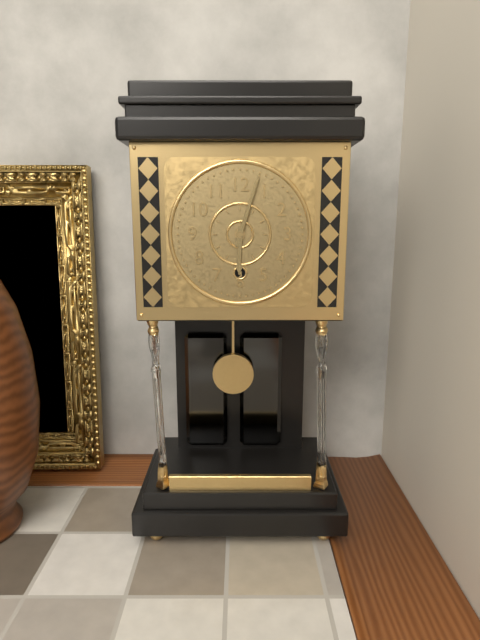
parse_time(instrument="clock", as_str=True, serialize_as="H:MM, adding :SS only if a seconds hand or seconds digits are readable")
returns 6:03
